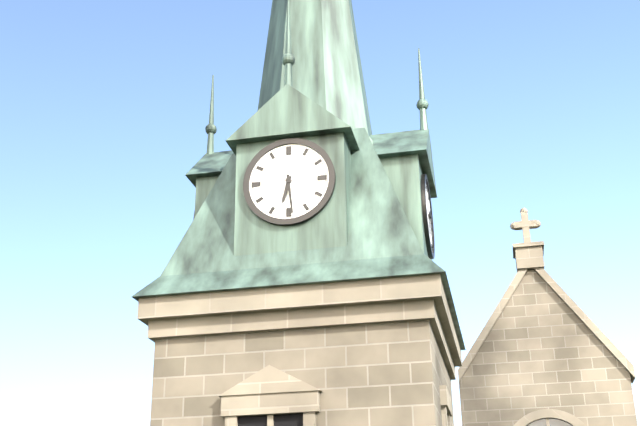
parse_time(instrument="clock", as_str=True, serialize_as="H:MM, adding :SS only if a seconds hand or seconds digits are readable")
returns 6:29
